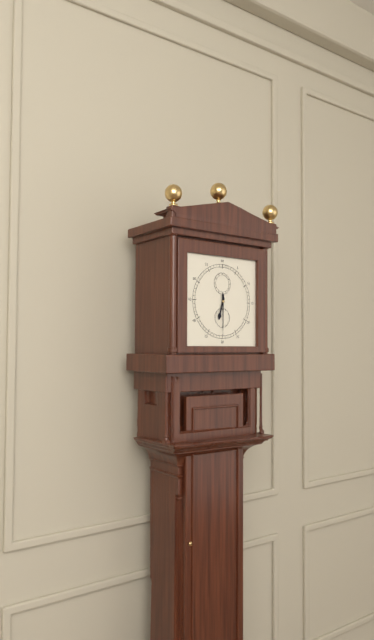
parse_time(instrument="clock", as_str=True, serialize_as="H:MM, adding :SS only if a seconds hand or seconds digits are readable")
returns 6:30
